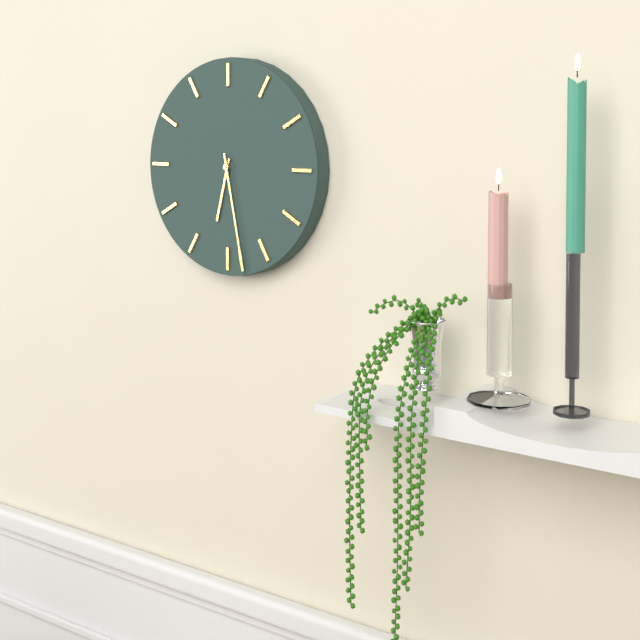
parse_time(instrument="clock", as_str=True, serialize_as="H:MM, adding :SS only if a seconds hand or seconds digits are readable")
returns 6:28
